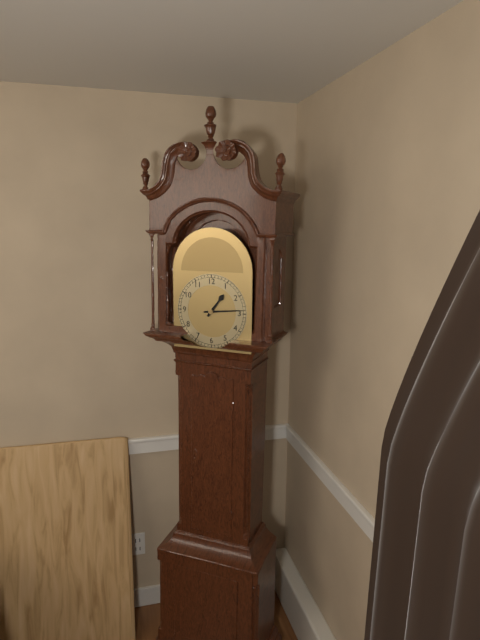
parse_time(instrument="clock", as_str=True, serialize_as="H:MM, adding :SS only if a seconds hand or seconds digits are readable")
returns 1:14
